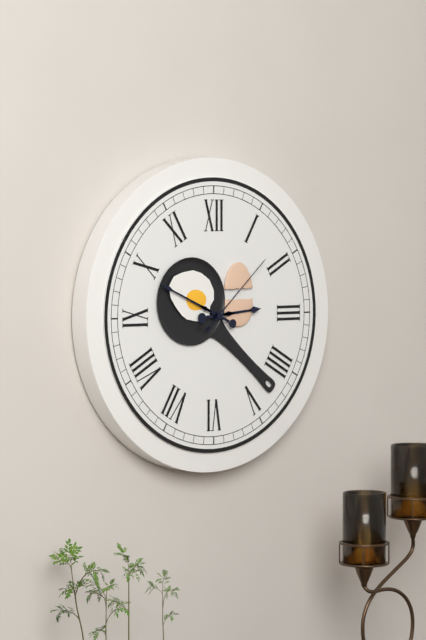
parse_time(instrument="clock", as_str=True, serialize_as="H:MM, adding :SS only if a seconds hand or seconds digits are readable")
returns 2:49:08
